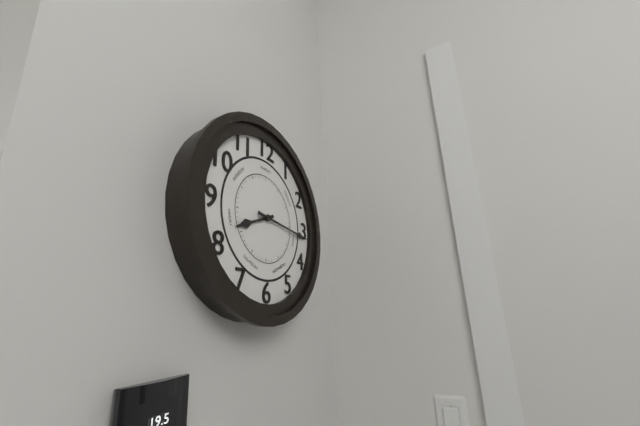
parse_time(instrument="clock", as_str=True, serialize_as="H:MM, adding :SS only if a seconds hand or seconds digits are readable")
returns 8:16
